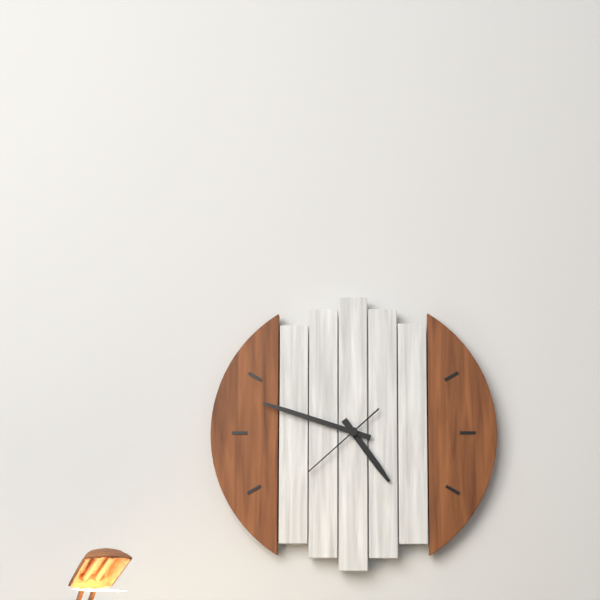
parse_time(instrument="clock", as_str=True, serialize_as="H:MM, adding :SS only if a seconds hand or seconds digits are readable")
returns 4:48:38
